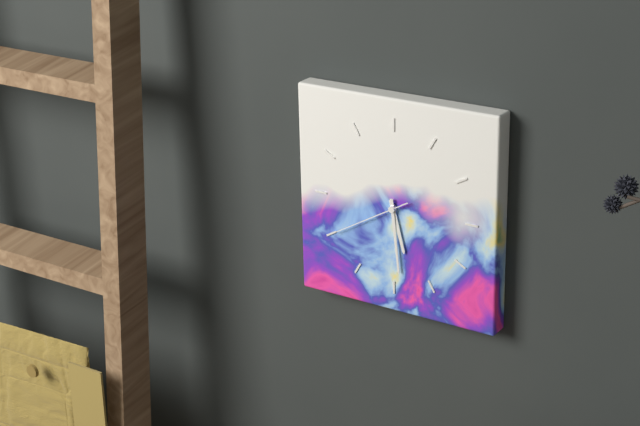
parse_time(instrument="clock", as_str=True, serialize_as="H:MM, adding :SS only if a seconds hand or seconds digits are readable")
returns 5:29:40
